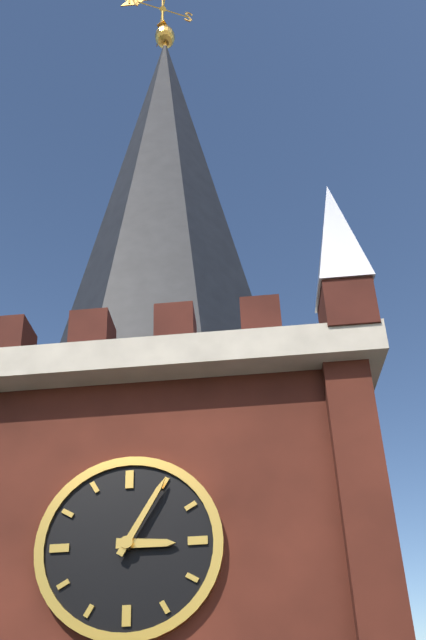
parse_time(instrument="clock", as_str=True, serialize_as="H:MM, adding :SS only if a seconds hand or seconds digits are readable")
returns 3:05
